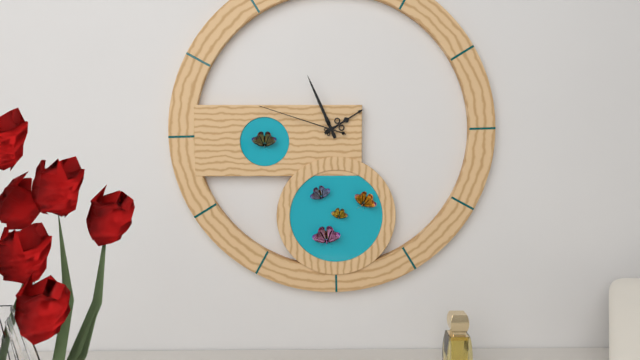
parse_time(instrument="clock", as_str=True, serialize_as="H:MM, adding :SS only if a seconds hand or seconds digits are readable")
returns 1:56:48
